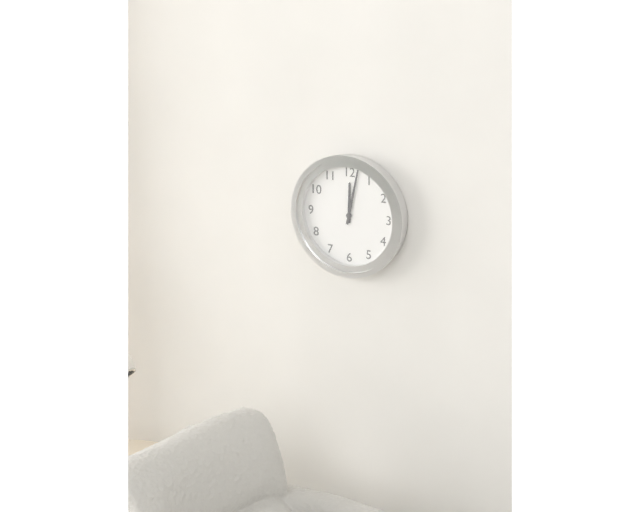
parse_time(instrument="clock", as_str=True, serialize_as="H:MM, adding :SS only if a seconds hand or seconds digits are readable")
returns 12:02
